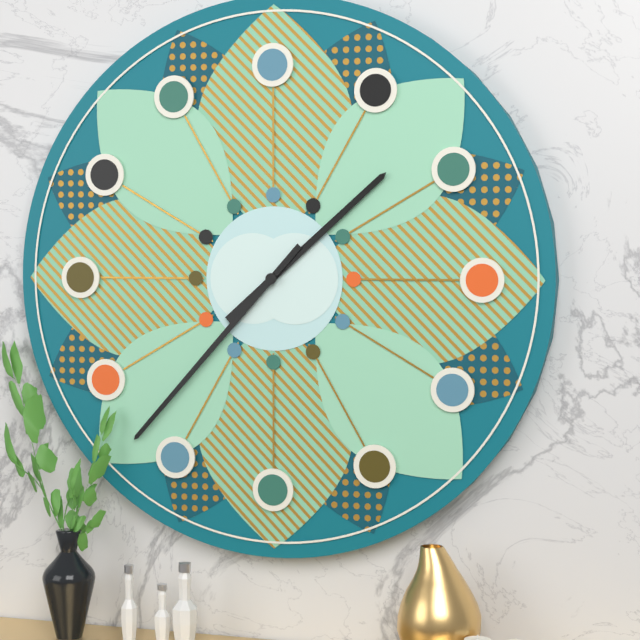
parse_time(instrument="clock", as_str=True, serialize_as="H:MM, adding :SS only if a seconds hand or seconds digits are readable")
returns 1:37
